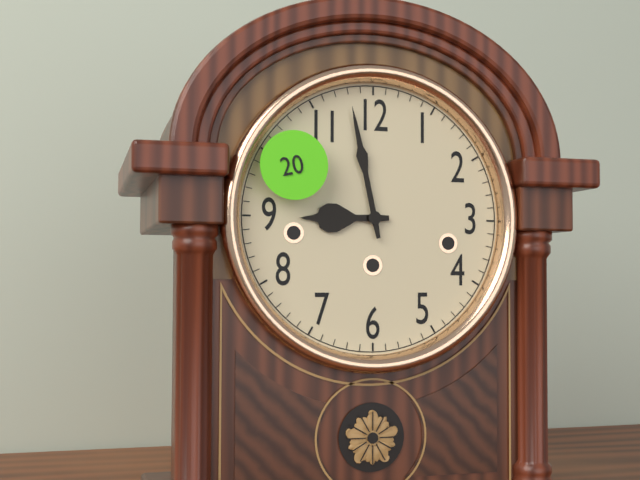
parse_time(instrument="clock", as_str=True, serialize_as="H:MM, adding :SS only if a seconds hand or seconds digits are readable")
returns 8:58
